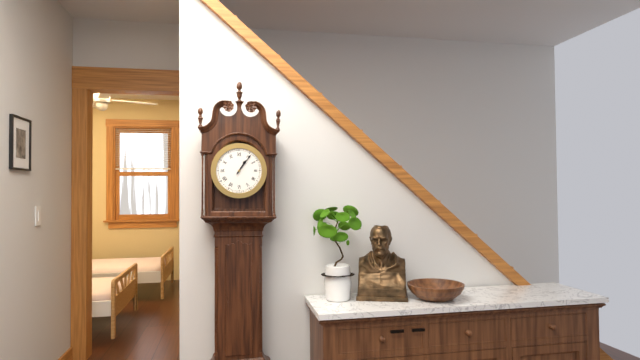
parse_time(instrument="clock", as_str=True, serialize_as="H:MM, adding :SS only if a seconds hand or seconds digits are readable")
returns 1:06
